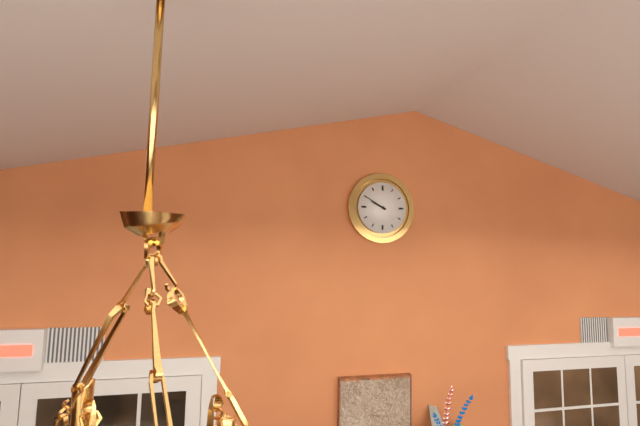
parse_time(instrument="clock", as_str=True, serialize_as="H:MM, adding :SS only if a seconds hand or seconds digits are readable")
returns 9:50
